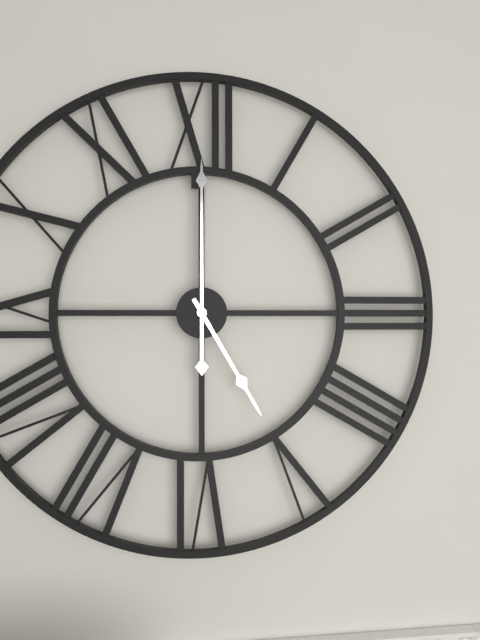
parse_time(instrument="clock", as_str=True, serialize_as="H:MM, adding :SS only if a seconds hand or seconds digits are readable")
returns 5:00
